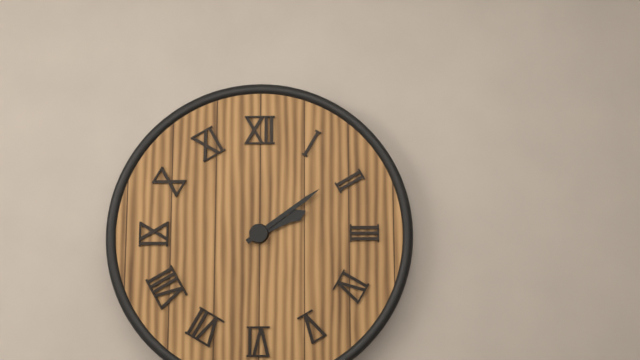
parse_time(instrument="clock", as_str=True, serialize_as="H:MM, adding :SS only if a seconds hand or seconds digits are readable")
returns 2:09
